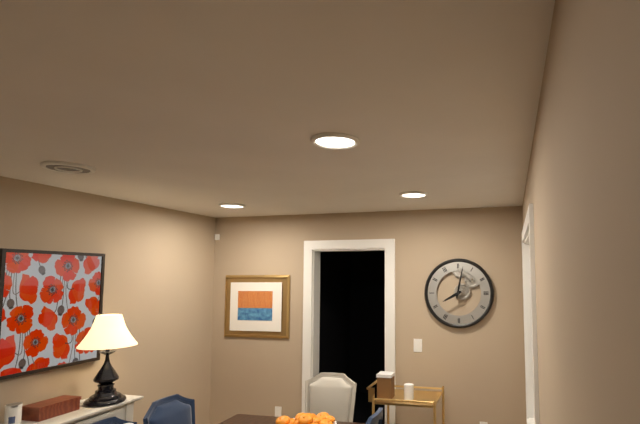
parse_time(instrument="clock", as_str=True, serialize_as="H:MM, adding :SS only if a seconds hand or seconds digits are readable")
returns 8:02
